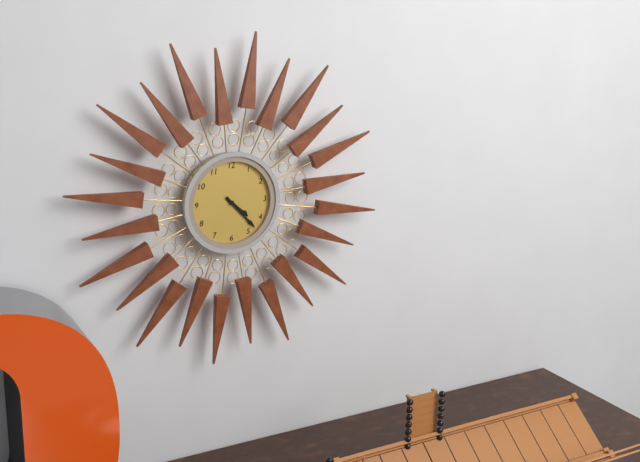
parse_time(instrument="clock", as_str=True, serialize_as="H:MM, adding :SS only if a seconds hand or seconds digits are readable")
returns 4:23
